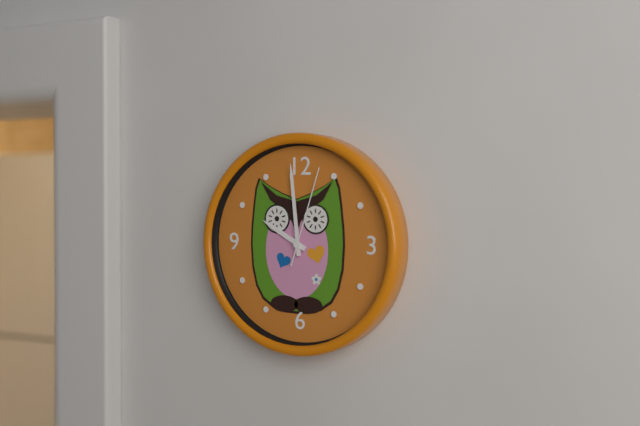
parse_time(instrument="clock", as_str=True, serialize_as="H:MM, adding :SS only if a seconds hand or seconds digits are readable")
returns 9:59:03
